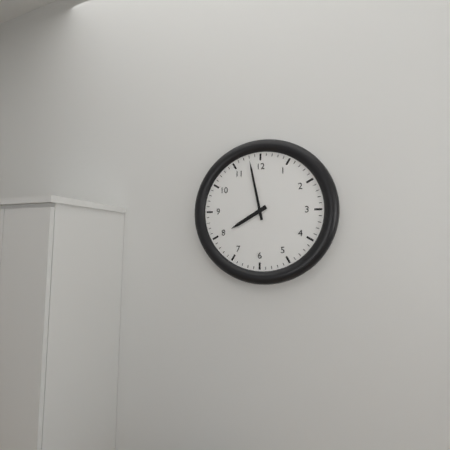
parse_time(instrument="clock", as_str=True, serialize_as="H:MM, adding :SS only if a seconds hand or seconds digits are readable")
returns 7:58
